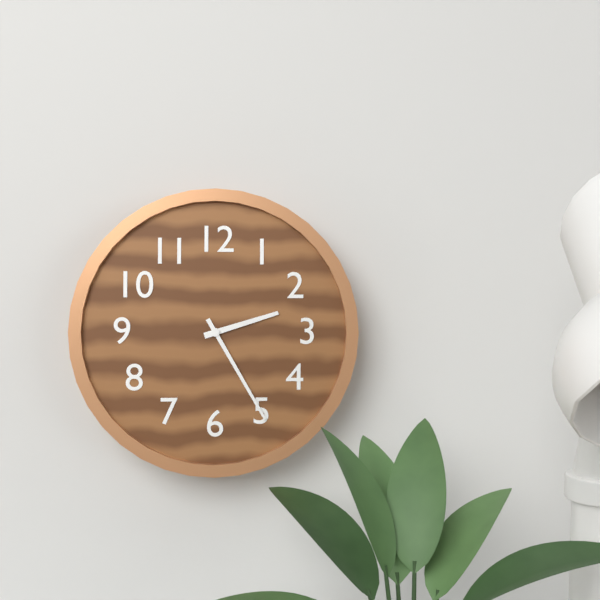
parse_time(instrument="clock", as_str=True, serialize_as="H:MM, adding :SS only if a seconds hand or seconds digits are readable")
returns 2:25
